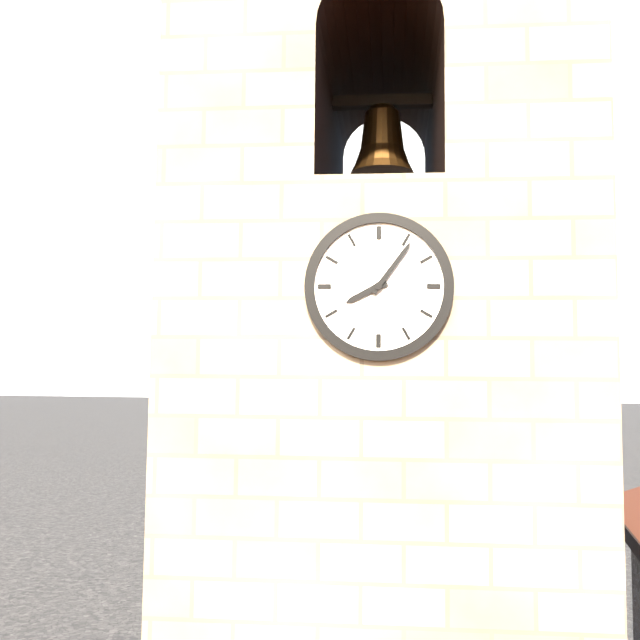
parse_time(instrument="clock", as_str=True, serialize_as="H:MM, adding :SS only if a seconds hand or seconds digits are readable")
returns 8:06
